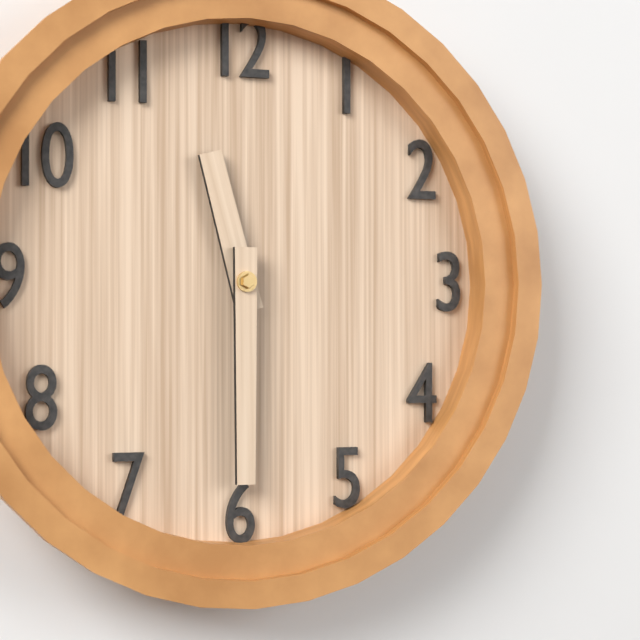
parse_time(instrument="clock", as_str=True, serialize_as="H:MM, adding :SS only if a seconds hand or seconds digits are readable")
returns 11:30
